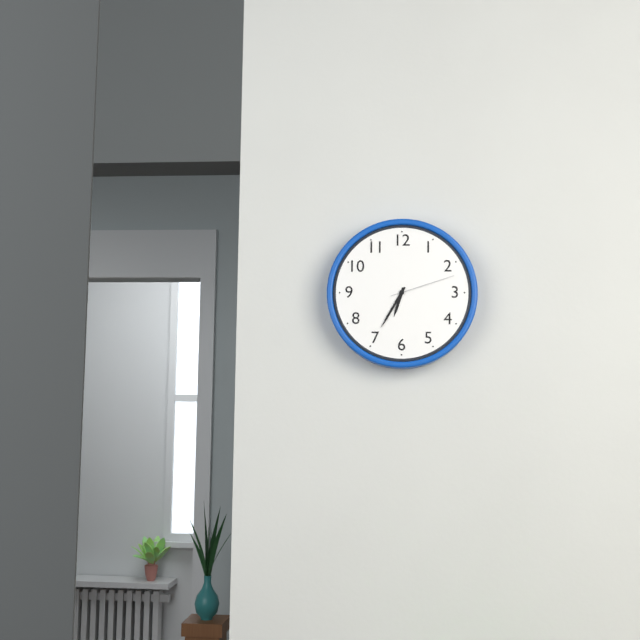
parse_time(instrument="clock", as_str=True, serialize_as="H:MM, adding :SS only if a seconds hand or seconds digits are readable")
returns 6:35:12
